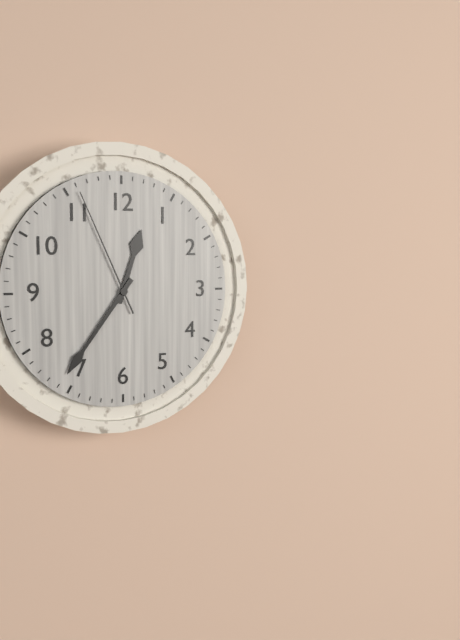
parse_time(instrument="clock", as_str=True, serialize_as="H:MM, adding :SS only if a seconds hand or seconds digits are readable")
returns 12:36:56
